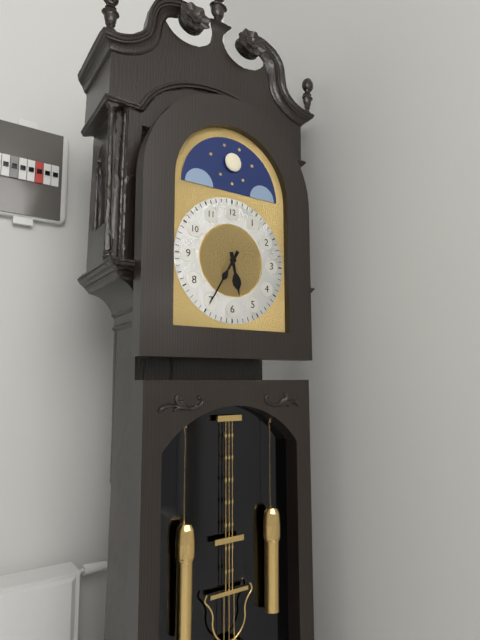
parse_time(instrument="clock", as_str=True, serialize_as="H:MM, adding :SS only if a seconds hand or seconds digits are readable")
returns 5:35
